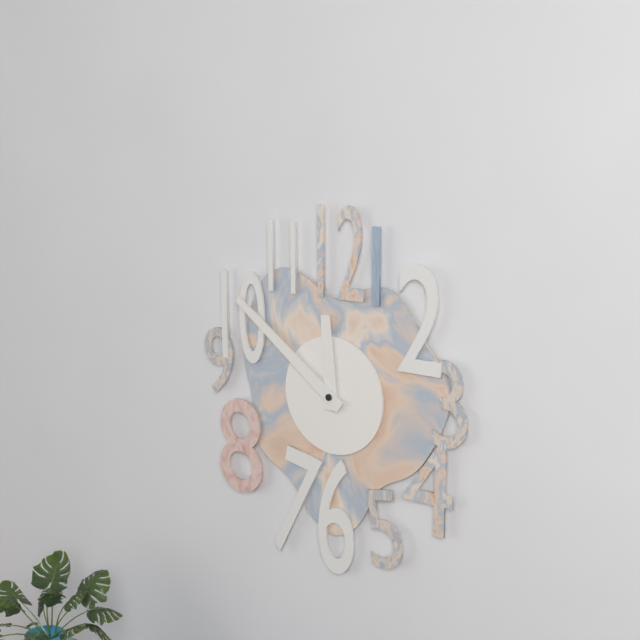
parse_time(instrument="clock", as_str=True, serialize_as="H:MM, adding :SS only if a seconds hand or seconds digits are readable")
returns 11:51
